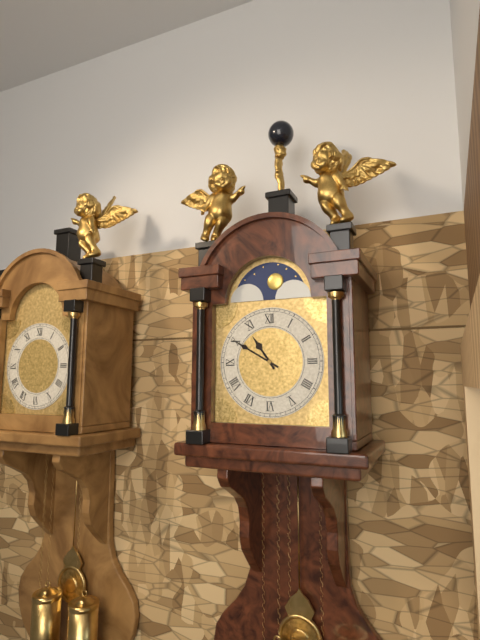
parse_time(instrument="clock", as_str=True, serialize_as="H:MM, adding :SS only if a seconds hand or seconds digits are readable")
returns 10:50
